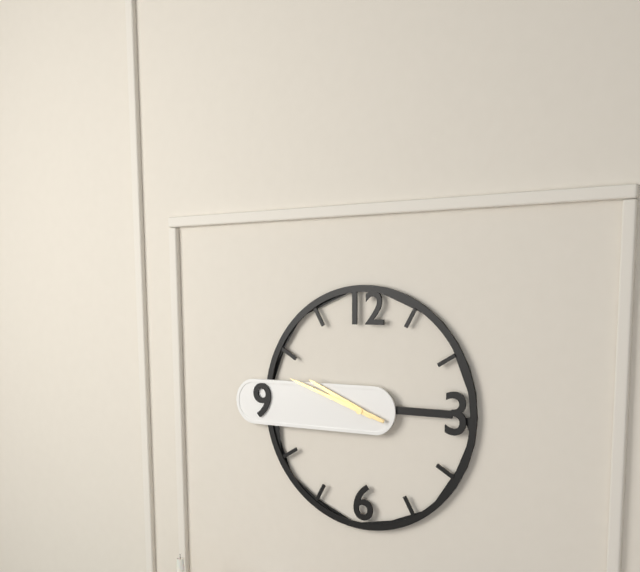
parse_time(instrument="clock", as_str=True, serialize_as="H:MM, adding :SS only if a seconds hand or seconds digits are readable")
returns 9:48
